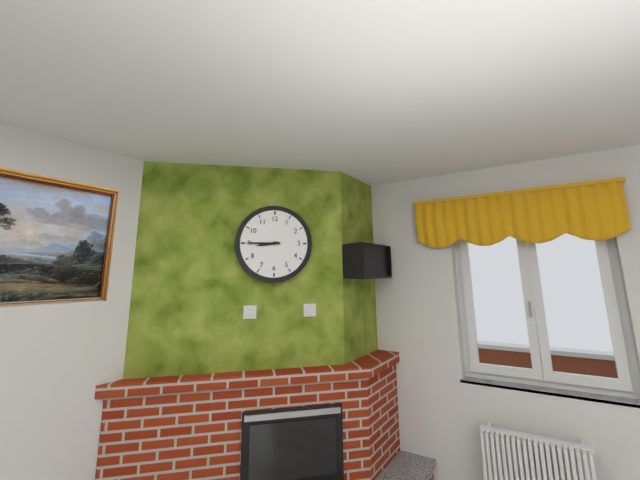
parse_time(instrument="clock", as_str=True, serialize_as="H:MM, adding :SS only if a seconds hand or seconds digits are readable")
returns 8:45
